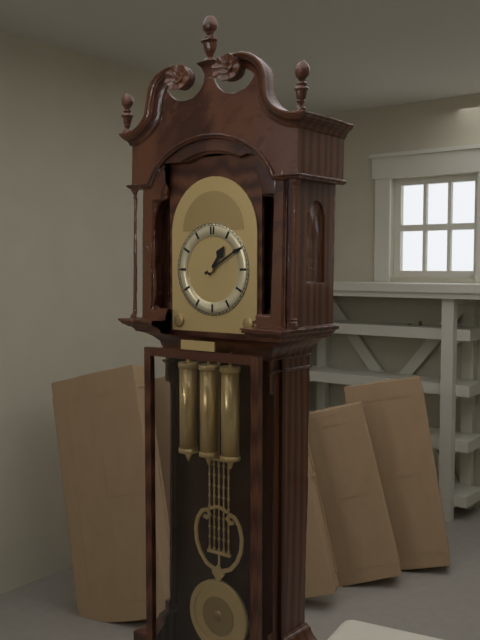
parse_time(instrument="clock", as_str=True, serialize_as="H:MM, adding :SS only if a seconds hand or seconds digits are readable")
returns 1:10
